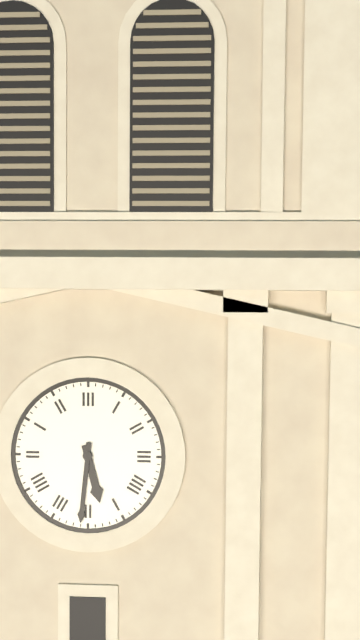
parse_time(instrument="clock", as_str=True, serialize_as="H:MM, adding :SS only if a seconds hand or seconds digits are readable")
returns 5:31
